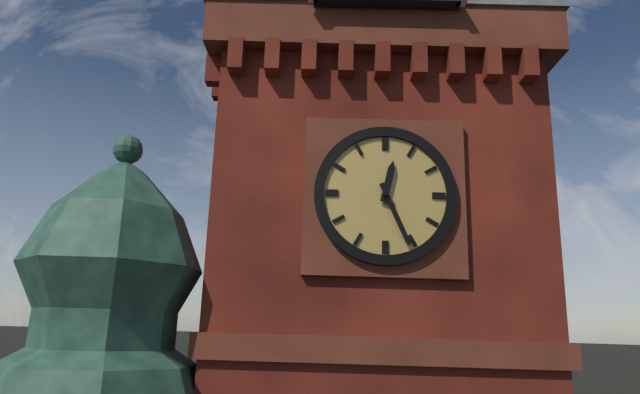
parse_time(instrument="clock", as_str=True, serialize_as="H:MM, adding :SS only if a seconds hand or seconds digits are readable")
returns 12:26
